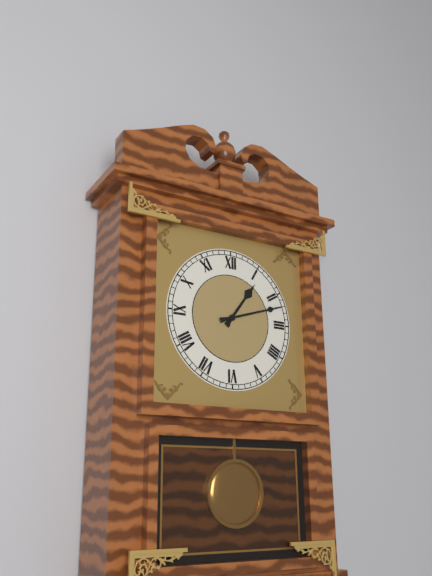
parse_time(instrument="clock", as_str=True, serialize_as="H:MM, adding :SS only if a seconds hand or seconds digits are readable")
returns 1:12
